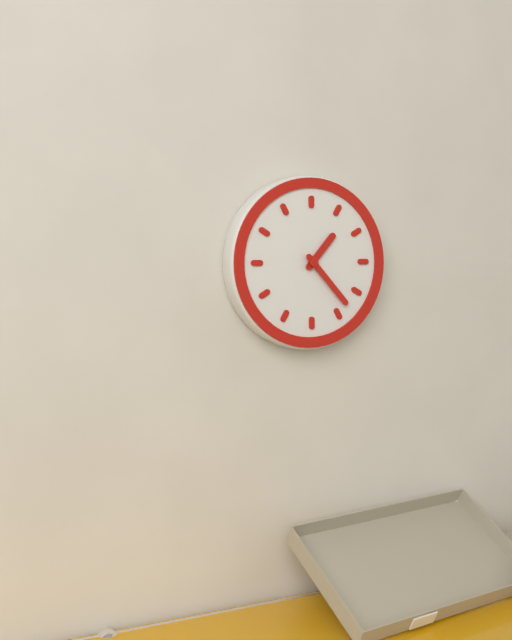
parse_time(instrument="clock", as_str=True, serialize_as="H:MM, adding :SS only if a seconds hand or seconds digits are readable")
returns 1:23
